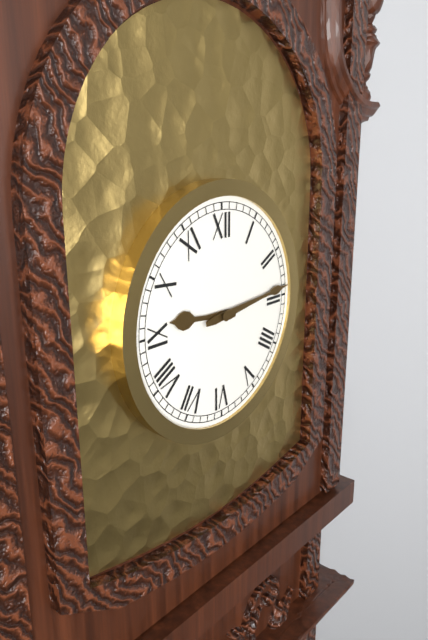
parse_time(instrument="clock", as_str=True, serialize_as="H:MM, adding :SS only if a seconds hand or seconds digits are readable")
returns 9:14
